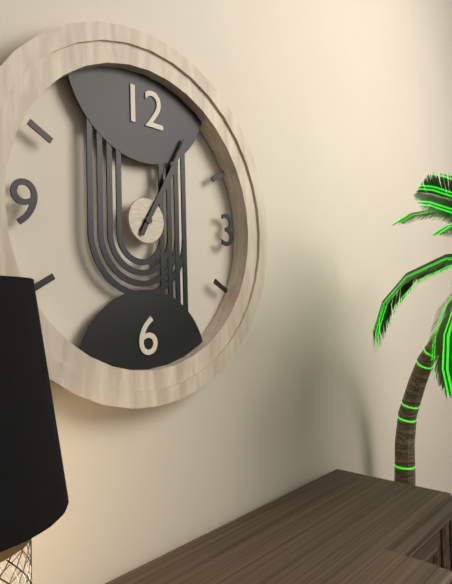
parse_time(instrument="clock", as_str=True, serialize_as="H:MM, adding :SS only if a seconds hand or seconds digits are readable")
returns 1:05
